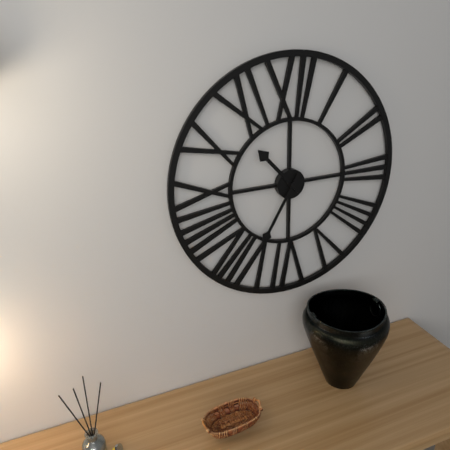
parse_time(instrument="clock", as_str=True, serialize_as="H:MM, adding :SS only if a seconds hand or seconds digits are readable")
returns 10:35
